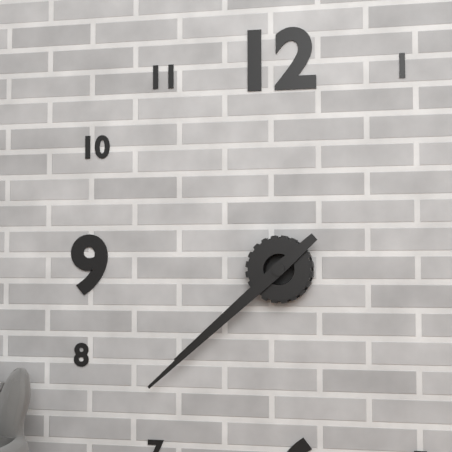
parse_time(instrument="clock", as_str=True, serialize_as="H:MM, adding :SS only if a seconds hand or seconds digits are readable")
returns 7:38
